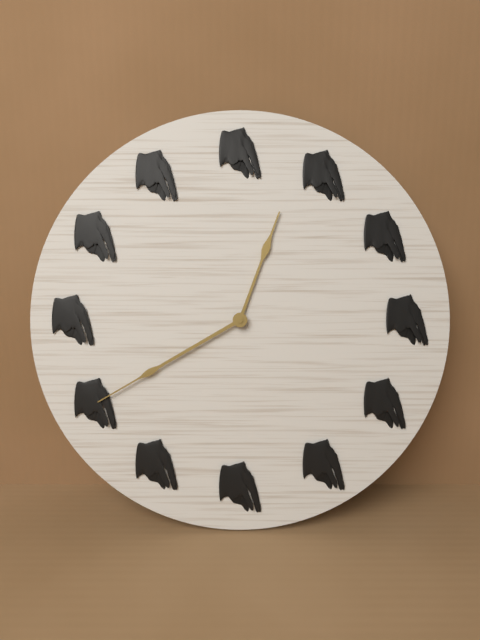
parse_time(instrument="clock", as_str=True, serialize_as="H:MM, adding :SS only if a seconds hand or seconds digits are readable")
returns 12:40
